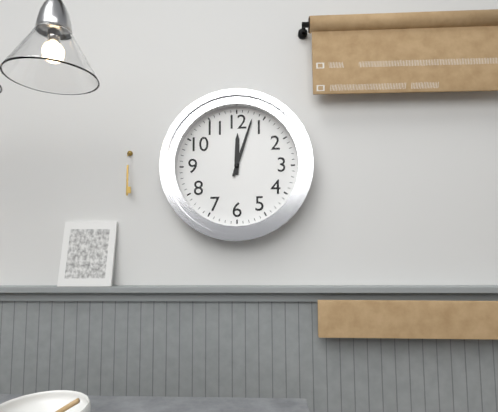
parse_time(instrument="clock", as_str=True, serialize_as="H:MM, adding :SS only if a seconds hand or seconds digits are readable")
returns 12:03
